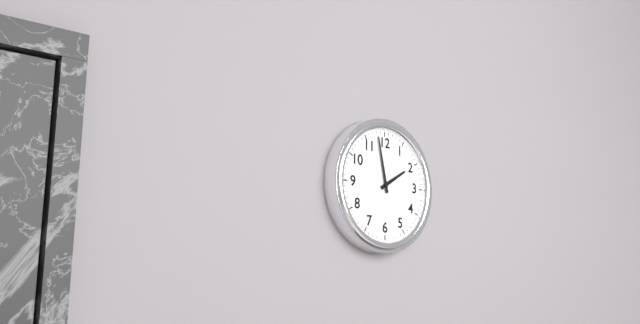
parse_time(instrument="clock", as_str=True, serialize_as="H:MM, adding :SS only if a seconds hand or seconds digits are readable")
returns 1:58
